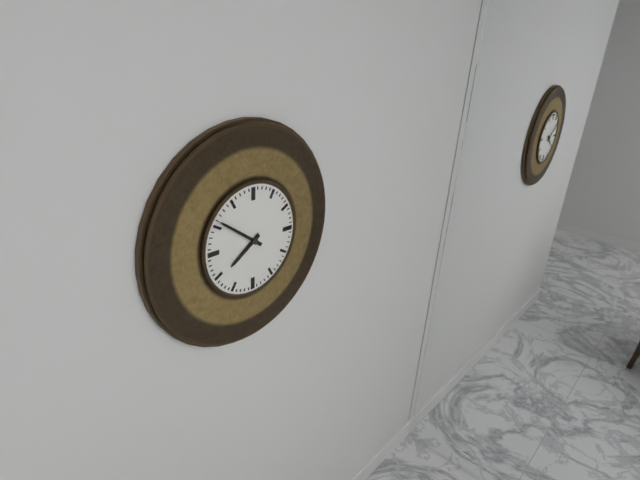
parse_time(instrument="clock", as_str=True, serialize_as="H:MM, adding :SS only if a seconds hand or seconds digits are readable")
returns 7:51
